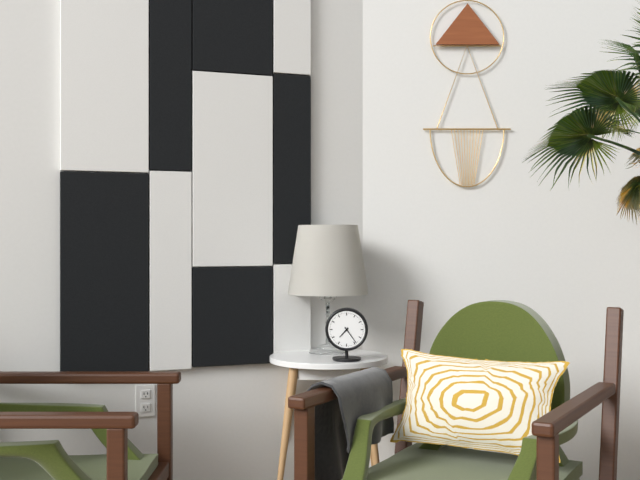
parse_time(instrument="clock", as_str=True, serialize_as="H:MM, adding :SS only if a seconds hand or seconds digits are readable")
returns 7:24
